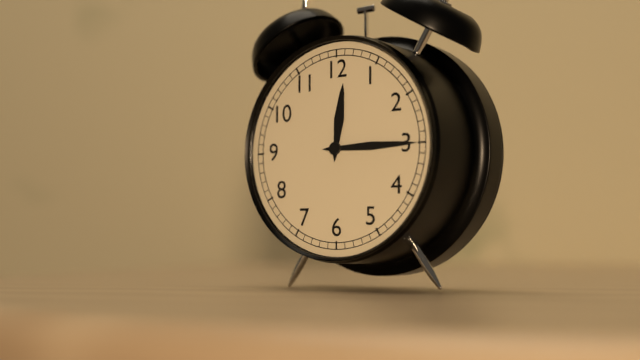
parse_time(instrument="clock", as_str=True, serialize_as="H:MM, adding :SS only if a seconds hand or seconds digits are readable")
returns 12:15
